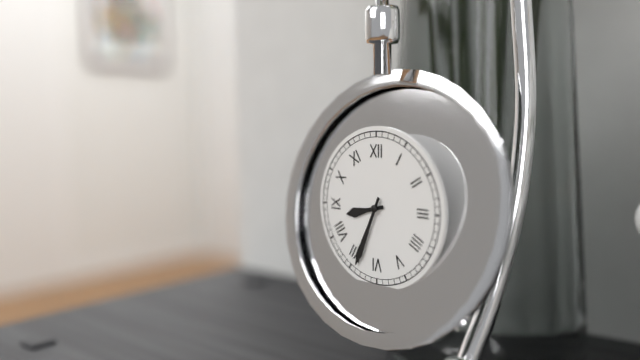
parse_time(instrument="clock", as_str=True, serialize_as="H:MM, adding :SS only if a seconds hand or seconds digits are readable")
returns 8:34
